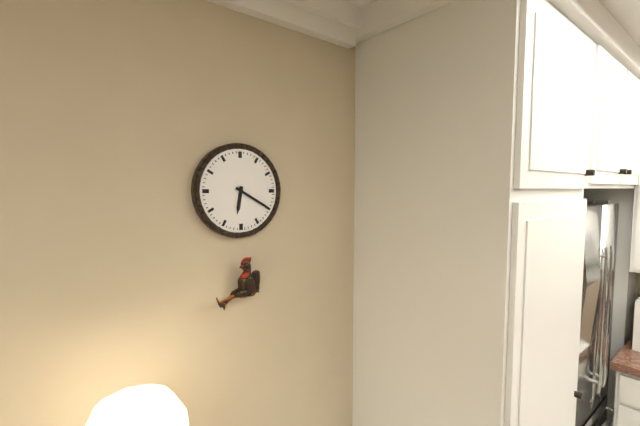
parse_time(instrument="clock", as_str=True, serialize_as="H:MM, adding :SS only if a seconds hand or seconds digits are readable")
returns 6:20
